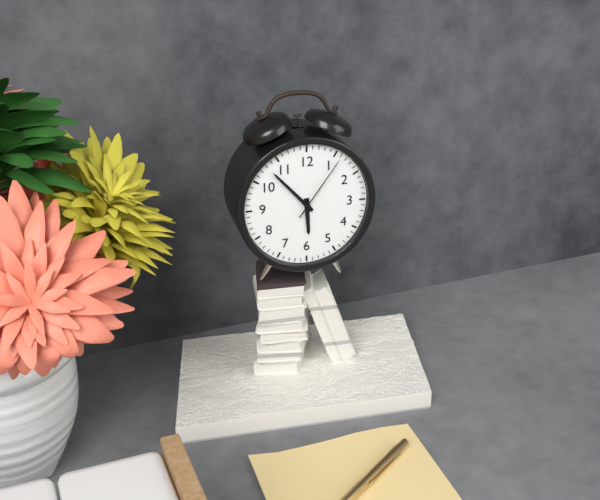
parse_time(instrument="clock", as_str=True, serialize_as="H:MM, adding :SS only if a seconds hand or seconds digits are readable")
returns 5:53:06
